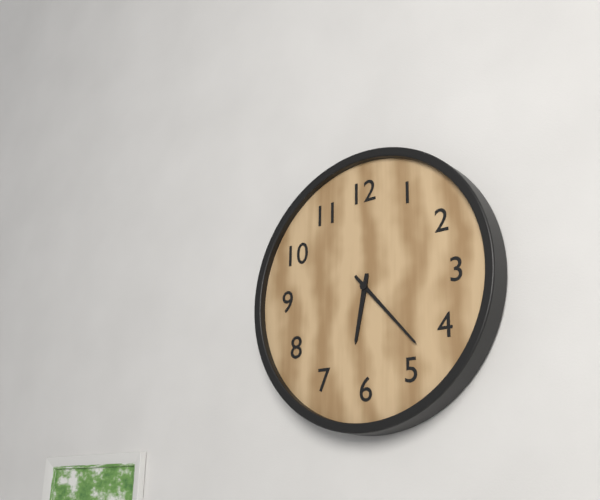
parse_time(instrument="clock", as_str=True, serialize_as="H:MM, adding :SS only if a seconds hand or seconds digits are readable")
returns 6:23
